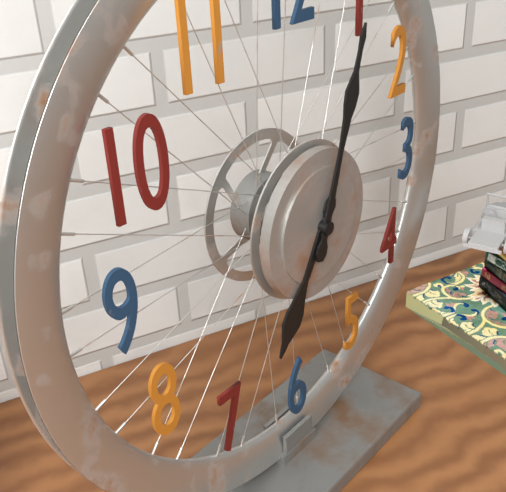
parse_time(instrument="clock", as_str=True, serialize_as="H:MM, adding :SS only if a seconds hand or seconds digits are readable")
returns 7:03
